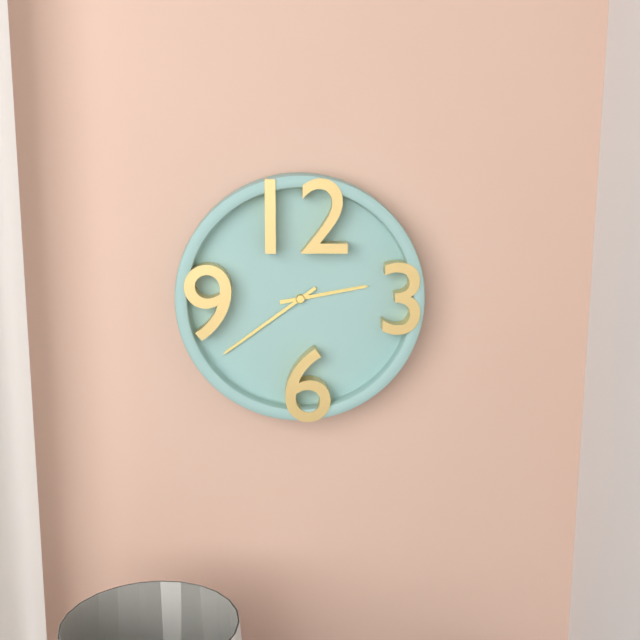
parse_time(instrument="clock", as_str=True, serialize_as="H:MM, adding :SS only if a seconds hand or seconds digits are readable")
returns 2:39
